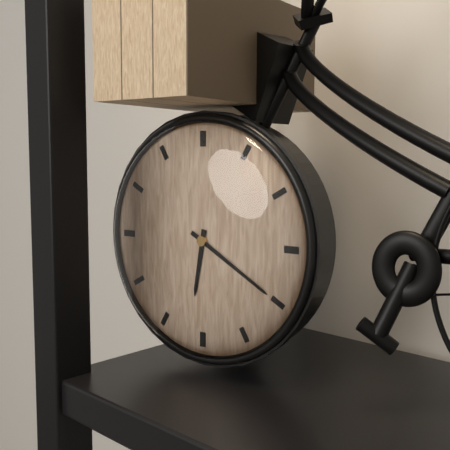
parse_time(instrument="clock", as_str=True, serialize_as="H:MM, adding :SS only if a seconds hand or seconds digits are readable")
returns 6:20
